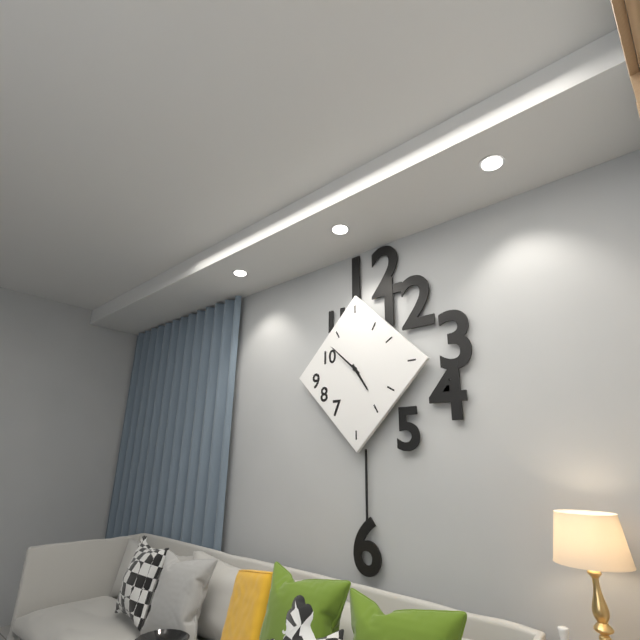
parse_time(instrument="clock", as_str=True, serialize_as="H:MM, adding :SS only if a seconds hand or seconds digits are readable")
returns 4:52
